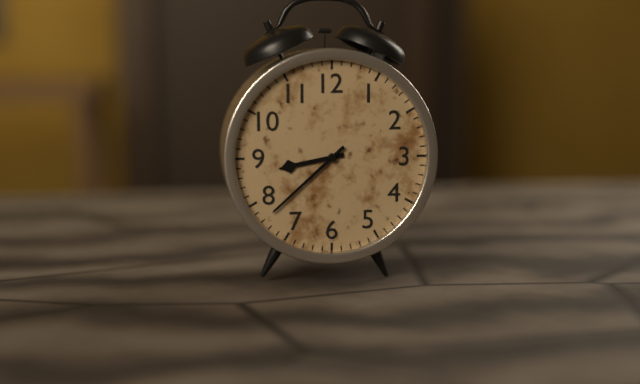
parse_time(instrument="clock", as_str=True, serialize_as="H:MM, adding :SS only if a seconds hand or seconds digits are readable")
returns 8:38
